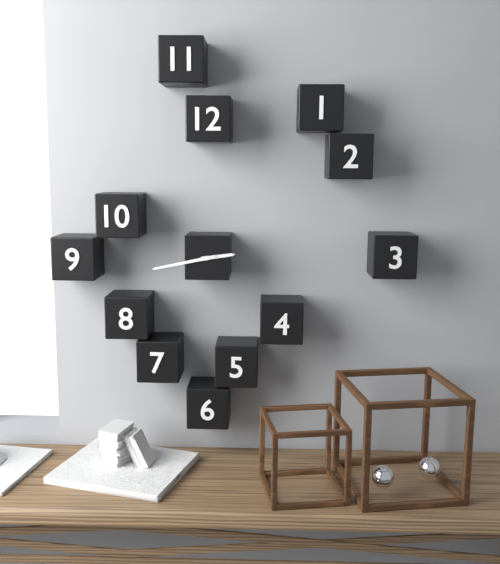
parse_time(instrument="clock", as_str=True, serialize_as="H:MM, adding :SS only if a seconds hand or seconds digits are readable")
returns 2:43
